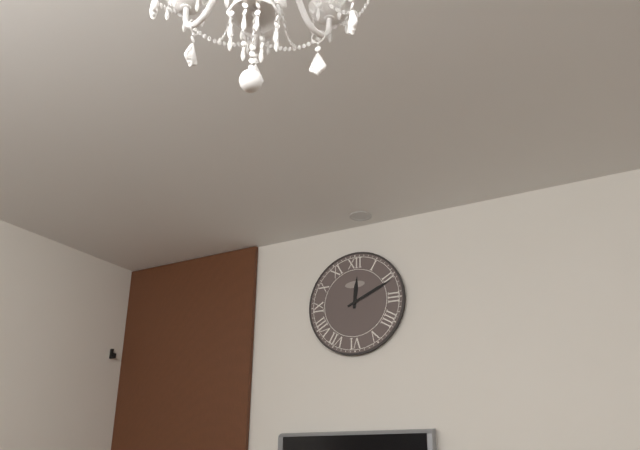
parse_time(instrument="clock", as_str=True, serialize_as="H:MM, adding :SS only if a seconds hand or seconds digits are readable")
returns 12:11
